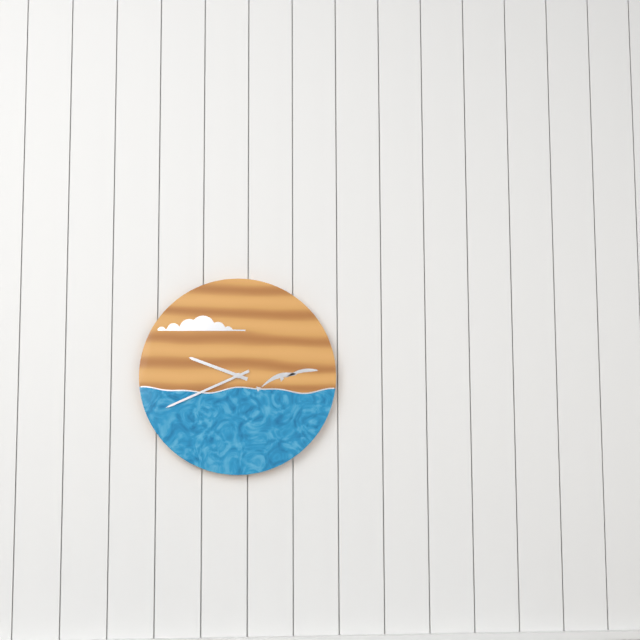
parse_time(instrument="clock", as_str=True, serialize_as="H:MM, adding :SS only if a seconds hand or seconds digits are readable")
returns 9:41
